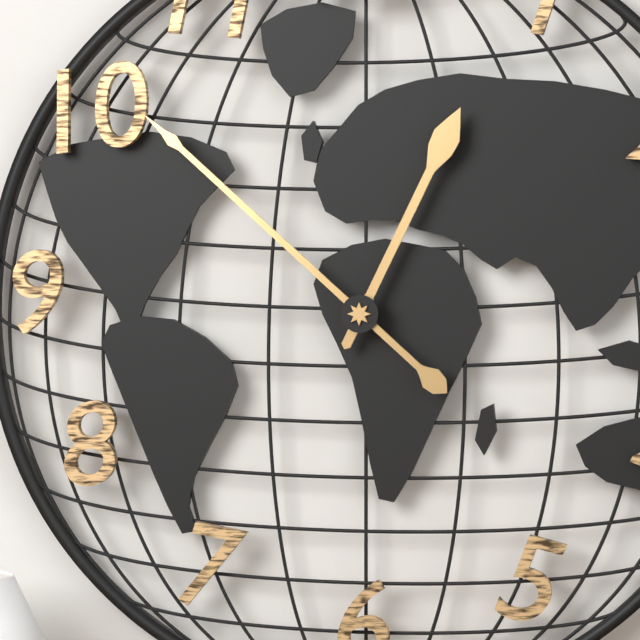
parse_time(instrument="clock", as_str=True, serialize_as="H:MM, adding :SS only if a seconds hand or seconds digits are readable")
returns 12:52
